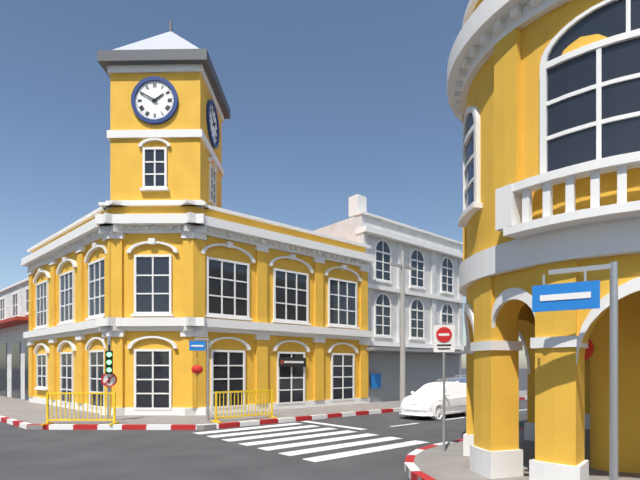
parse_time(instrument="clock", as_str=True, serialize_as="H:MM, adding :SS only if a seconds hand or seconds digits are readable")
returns 1:50
